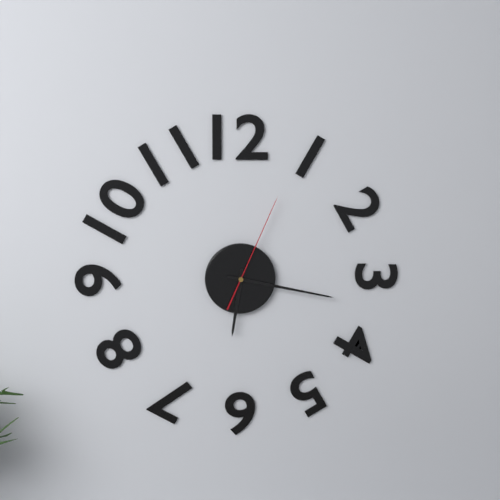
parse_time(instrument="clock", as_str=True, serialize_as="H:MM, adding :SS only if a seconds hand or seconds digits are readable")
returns 6:17:04
